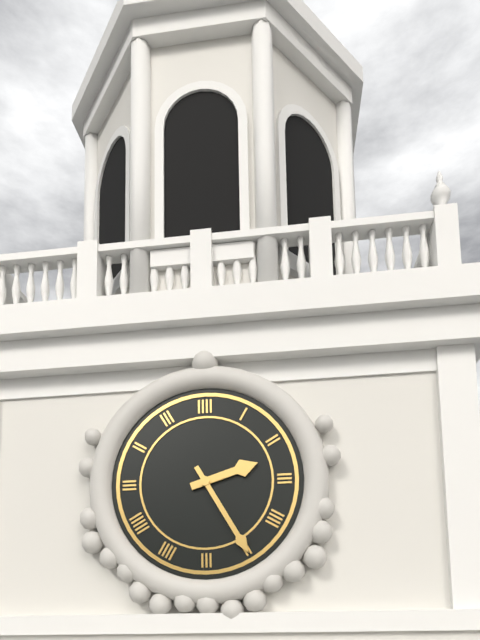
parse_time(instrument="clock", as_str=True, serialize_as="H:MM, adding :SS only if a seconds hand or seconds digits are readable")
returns 2:25
